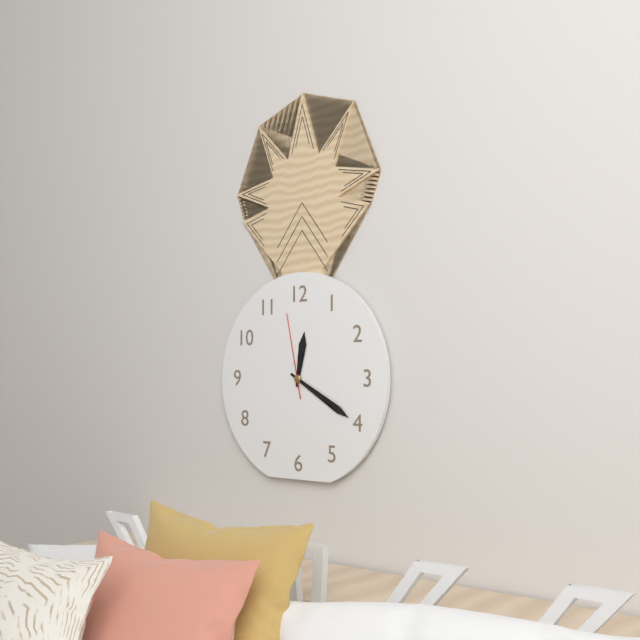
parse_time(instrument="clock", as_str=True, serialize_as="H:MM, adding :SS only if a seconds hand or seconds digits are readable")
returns 12:20:58
